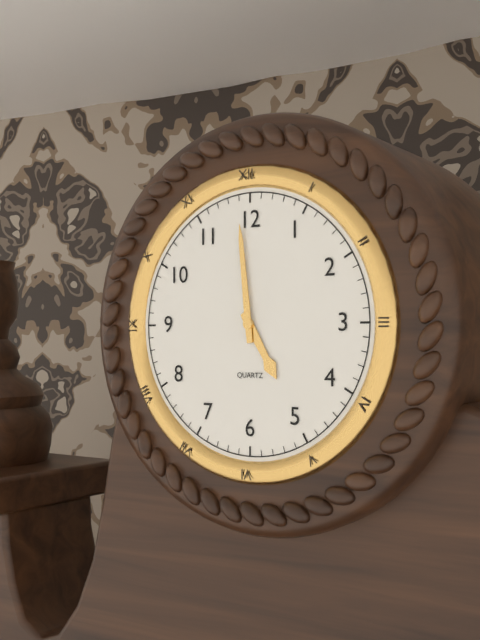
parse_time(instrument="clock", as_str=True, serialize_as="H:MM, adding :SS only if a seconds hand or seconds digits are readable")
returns 4:59
